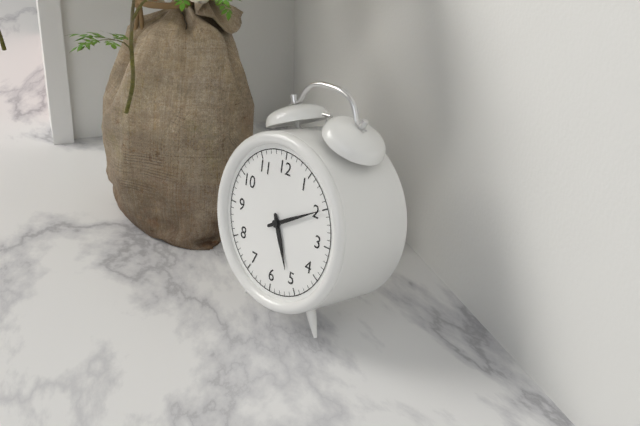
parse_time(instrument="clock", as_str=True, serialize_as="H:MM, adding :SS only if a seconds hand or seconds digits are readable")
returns 5:10
